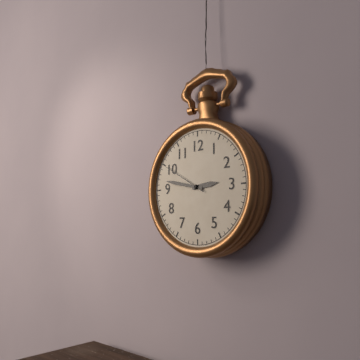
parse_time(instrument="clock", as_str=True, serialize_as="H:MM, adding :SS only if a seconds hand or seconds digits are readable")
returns 2:47
